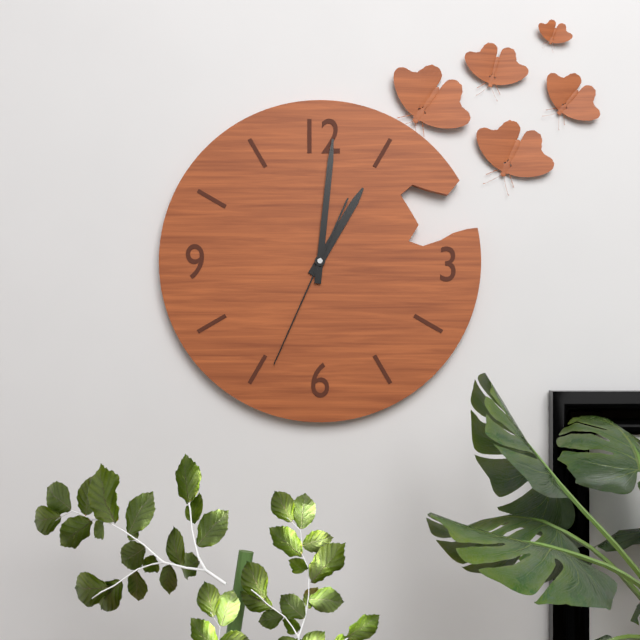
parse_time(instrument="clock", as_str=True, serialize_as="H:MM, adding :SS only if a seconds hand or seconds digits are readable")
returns 1:01:34
